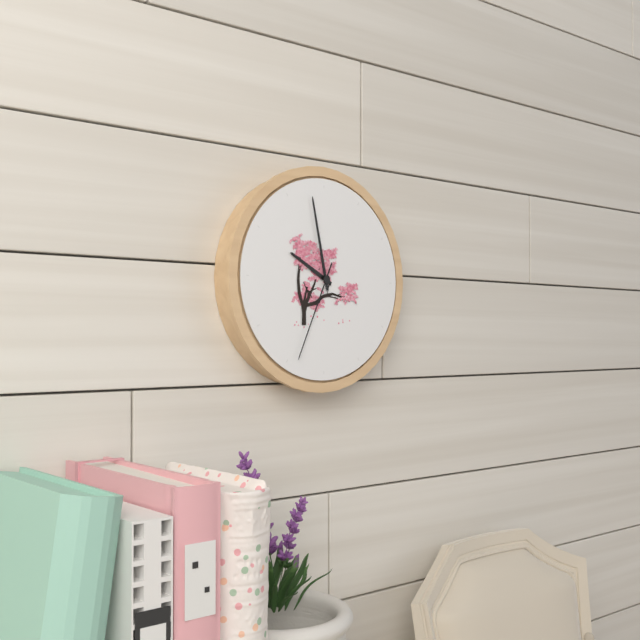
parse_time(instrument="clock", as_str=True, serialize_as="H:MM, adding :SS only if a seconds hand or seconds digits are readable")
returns 9:58:34
